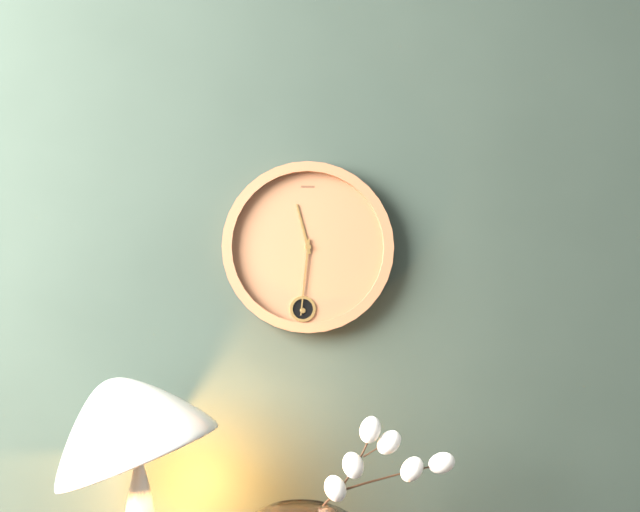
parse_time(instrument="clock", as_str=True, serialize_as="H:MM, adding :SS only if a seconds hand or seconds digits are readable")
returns 11:31
